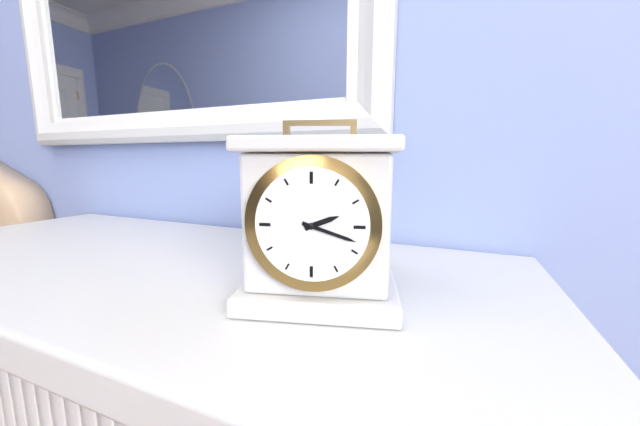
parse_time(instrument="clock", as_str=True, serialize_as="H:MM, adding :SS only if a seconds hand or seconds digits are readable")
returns 2:18
